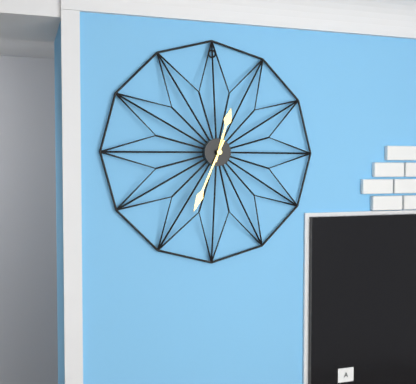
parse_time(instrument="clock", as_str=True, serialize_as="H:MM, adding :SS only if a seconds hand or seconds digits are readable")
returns 12:34
